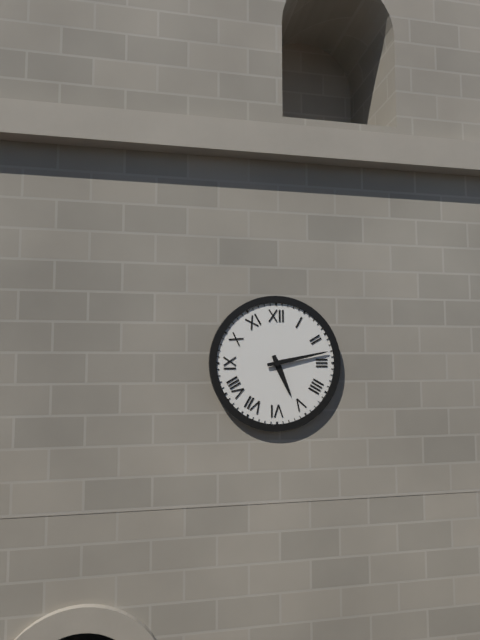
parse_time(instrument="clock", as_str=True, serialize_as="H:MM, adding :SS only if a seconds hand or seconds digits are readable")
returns 5:13
